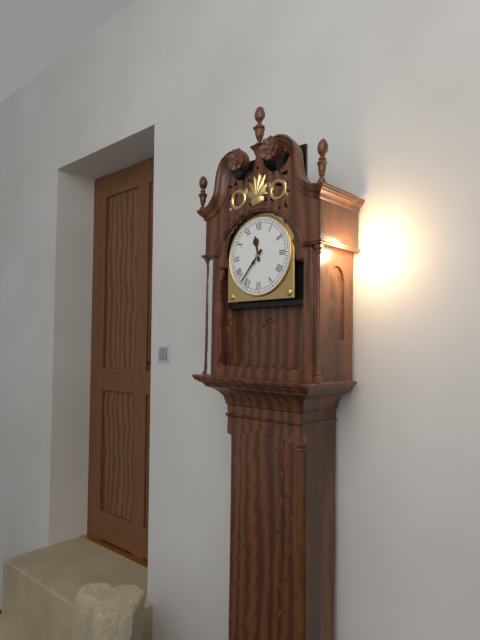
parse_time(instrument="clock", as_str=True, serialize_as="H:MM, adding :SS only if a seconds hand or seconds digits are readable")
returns 11:37
